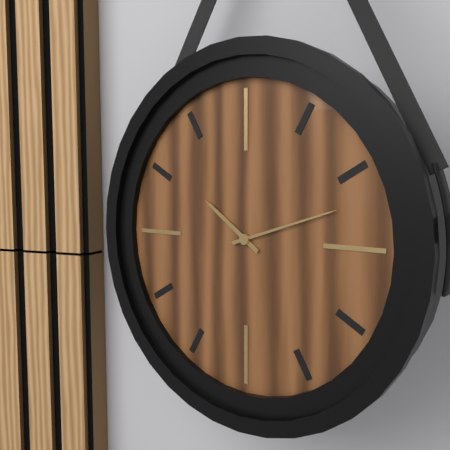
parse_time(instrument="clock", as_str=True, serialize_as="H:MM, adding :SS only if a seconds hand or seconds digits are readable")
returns 10:12
